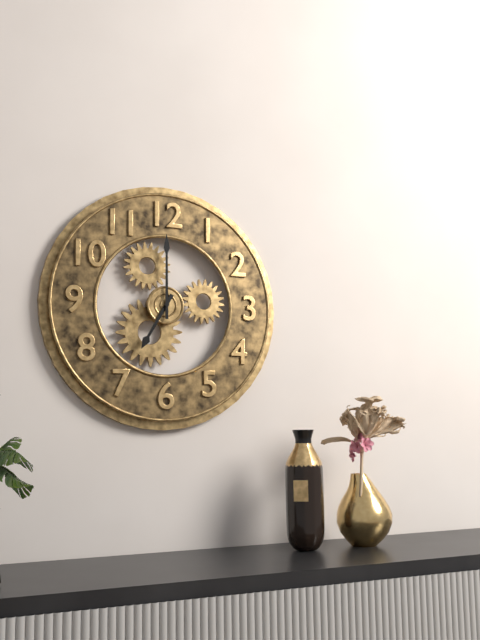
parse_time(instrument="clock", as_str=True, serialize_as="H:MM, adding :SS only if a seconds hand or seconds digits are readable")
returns 7:00
